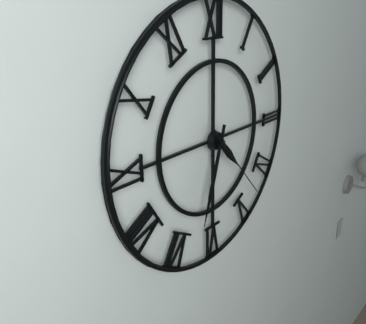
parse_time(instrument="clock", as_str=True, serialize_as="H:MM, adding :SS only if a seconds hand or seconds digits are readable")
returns 4:33:23
